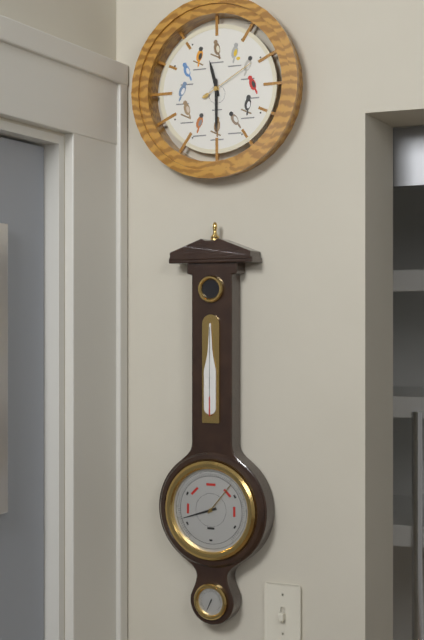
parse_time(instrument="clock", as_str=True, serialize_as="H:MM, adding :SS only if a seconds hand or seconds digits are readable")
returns 11:30:10
